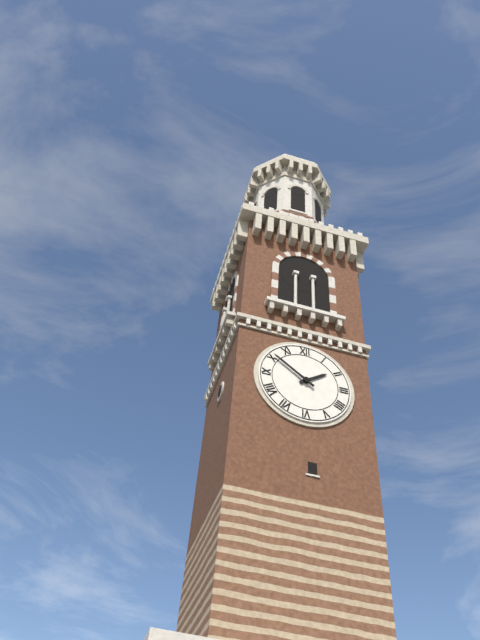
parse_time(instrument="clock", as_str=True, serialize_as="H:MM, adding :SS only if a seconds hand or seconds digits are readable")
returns 1:51
